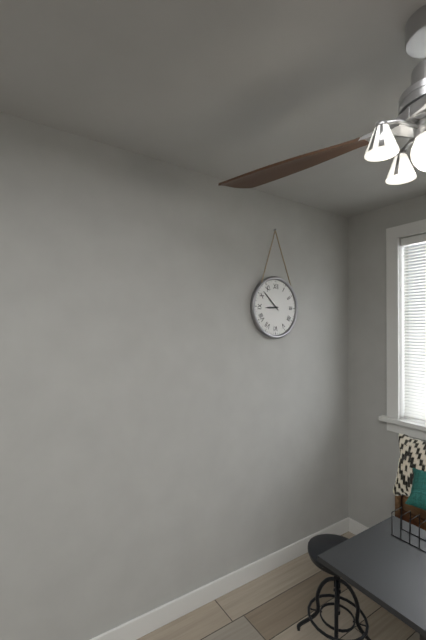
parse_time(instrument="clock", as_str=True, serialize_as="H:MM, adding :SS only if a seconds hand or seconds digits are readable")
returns 8:52
